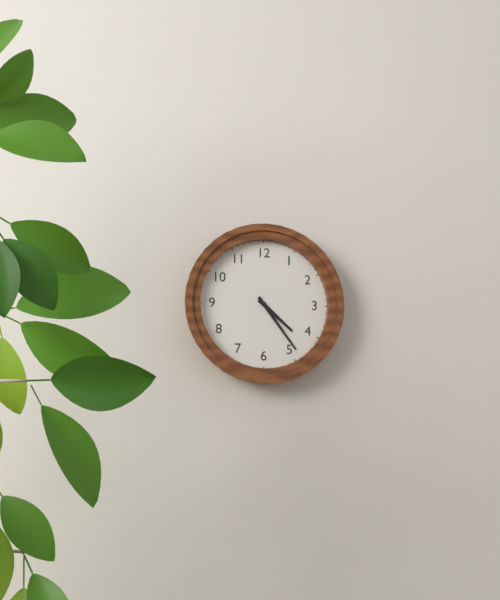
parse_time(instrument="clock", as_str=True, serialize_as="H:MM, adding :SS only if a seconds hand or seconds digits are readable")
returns 4:24
